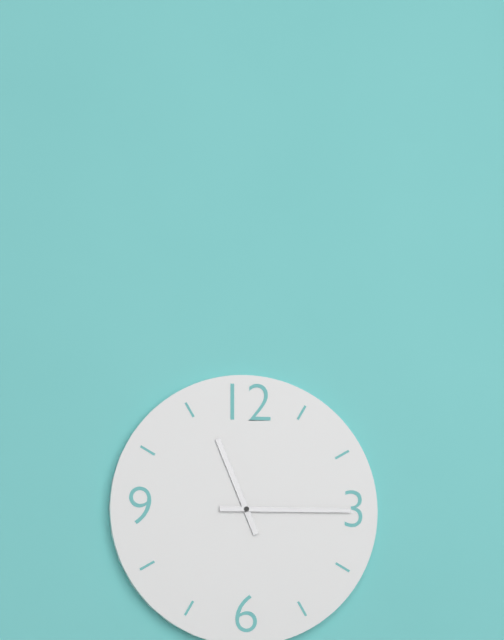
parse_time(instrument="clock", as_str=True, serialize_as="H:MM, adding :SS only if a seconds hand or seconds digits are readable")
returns 11:15
